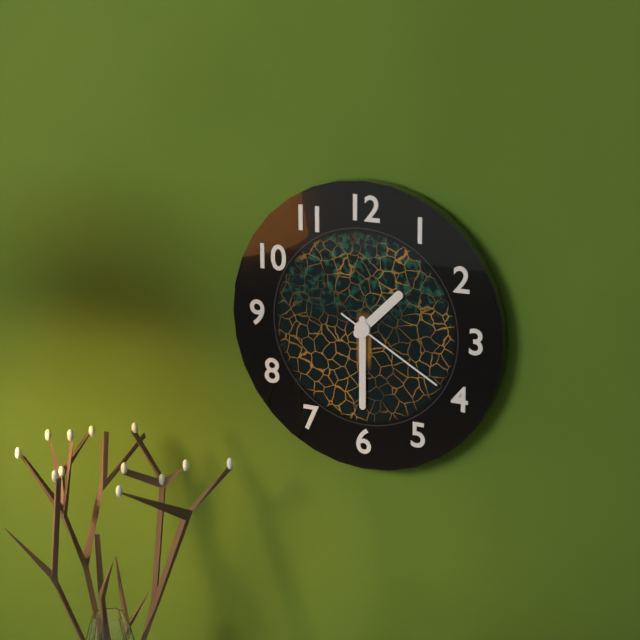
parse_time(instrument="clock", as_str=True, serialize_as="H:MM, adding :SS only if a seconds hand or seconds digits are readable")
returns 1:30:20
